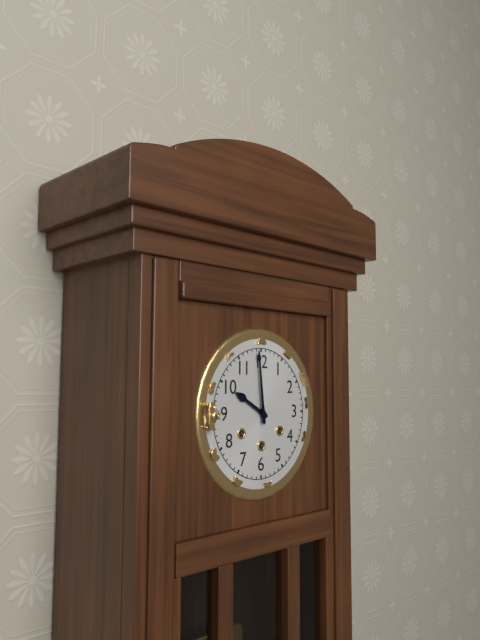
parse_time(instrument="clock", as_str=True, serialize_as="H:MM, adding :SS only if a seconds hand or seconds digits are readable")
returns 9:59
